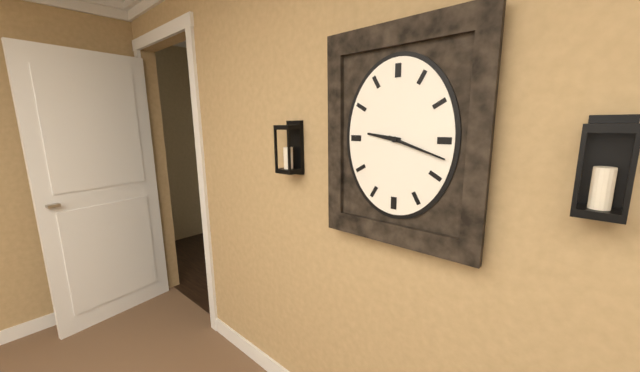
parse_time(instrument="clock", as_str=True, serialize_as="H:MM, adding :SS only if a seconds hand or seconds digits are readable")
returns 9:18
